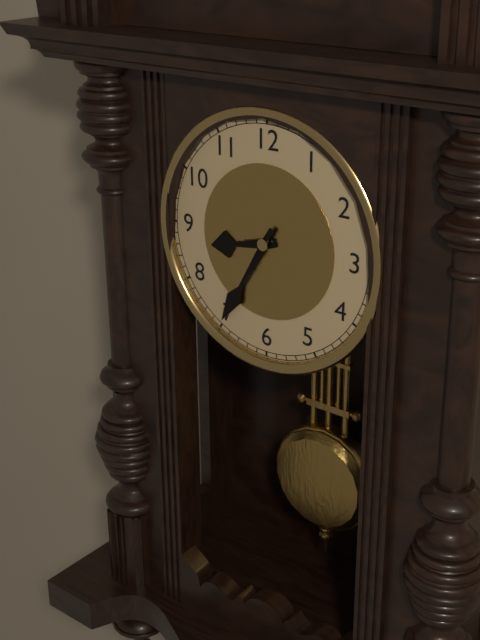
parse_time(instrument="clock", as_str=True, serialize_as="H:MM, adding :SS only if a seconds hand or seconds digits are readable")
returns 8:35
